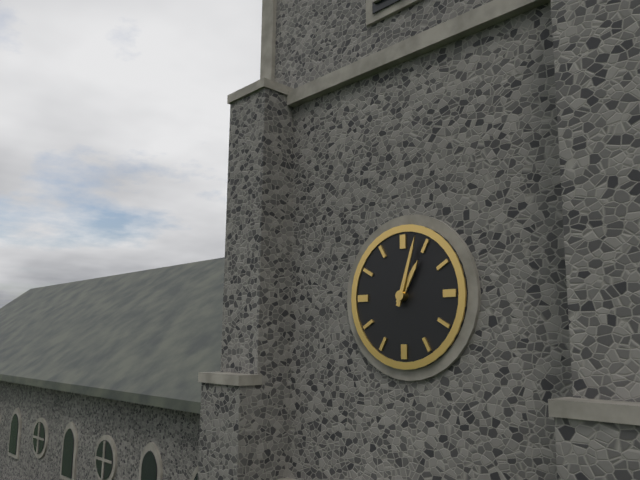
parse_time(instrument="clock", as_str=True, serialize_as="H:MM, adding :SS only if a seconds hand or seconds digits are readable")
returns 1:03
